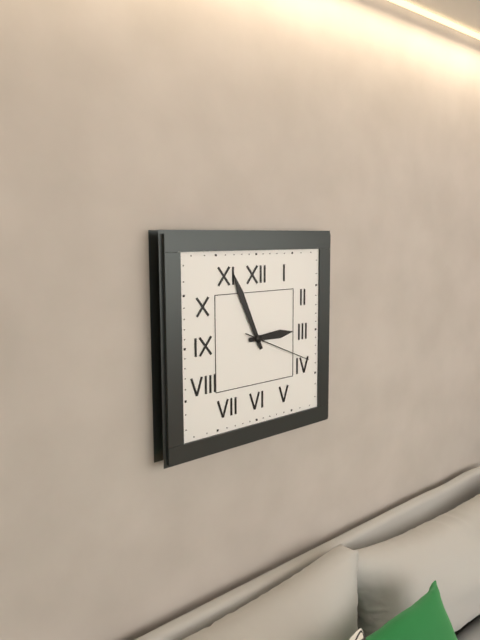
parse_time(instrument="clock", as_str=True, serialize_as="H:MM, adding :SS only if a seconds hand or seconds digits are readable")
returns 2:56:19
